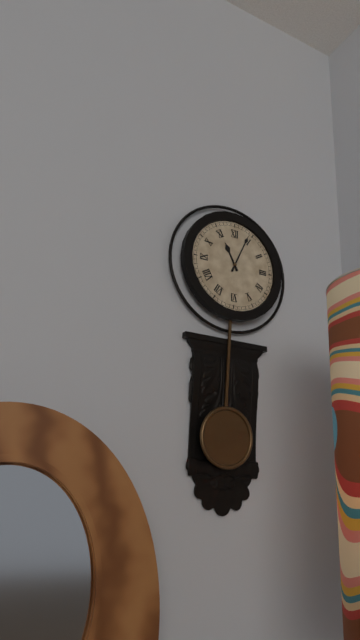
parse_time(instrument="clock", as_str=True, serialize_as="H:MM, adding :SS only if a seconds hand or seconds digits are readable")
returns 11:04
